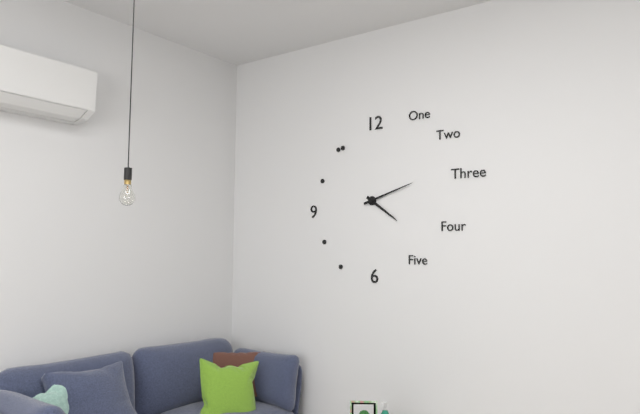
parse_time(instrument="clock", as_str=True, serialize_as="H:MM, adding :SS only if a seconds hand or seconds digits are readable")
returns 4:12
